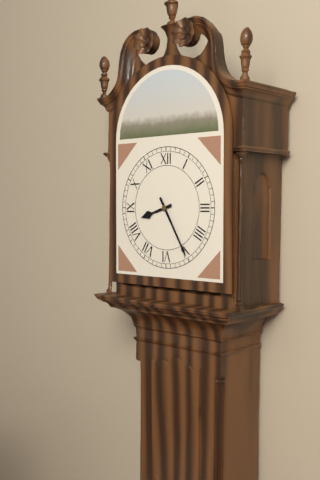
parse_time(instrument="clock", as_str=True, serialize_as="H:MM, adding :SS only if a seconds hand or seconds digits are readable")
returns 8:25
